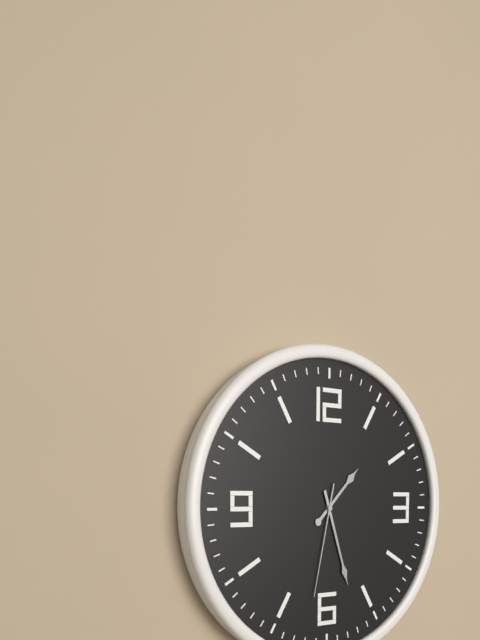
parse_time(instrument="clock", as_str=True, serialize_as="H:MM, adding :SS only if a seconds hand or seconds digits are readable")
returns 1:27:32
